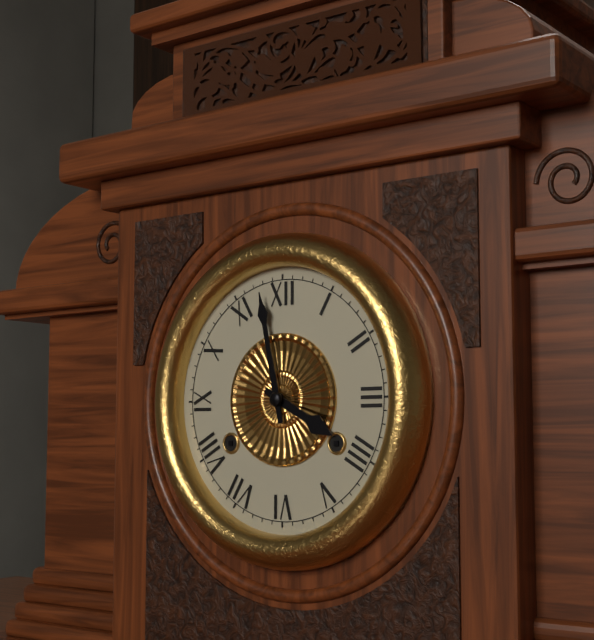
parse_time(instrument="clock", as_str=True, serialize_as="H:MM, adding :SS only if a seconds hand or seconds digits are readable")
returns 3:58
